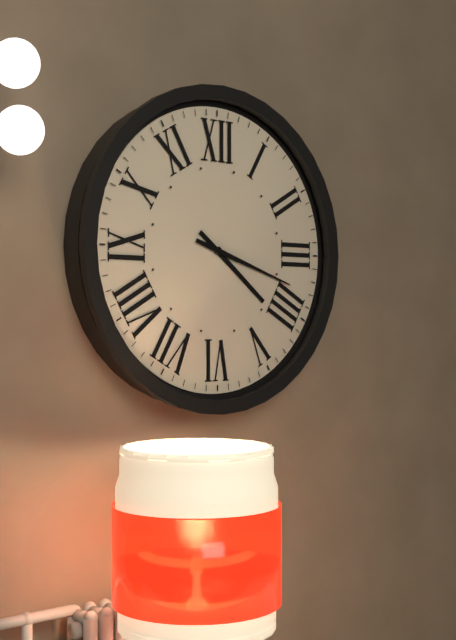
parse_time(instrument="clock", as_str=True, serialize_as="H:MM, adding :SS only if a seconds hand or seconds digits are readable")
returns 4:18
